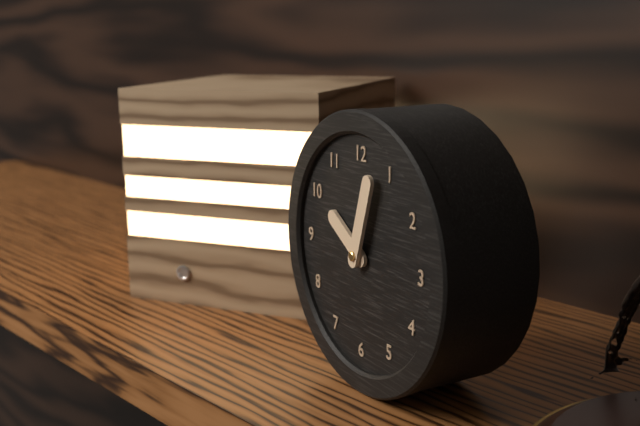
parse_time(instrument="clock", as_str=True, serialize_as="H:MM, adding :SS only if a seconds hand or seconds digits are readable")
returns 10:03
